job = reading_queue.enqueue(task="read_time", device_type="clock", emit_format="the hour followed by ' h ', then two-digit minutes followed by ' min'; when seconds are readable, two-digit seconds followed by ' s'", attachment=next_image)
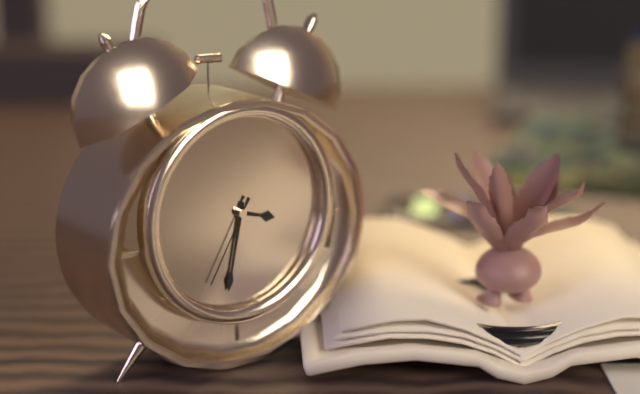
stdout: 3 h 32 min 35 s
